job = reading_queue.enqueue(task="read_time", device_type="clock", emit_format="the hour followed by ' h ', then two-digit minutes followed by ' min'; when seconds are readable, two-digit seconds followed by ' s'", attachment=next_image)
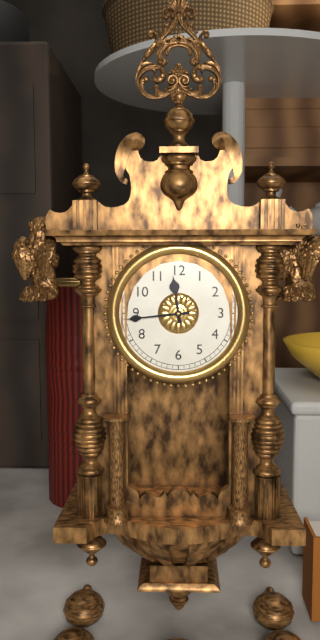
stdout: 11 h 44 min
